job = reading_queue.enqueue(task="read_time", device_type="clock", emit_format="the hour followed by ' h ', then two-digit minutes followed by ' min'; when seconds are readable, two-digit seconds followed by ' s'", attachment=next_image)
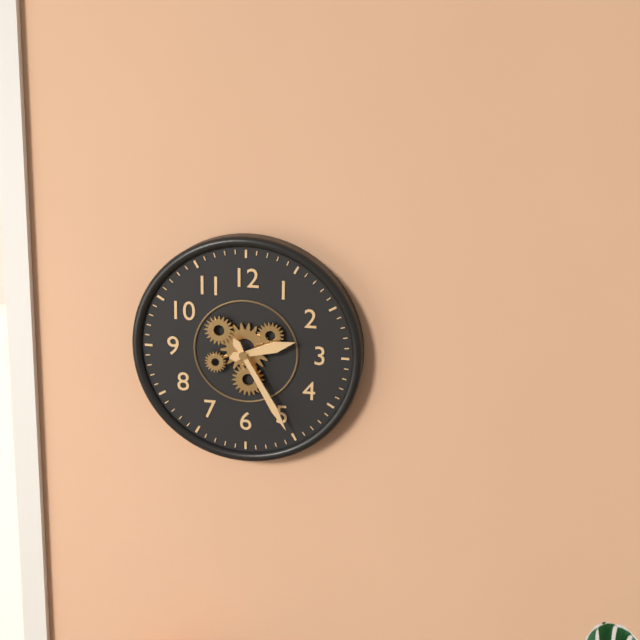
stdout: 2 h 25 min
